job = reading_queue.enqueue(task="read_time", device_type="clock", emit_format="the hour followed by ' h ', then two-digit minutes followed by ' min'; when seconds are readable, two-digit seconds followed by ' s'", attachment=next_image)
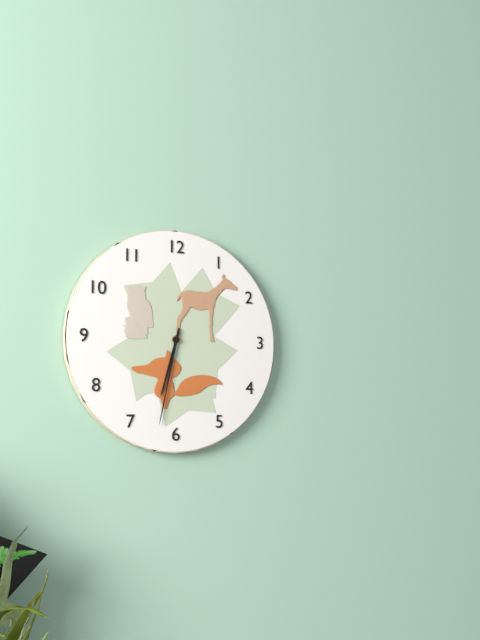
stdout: 6 h 32 min
